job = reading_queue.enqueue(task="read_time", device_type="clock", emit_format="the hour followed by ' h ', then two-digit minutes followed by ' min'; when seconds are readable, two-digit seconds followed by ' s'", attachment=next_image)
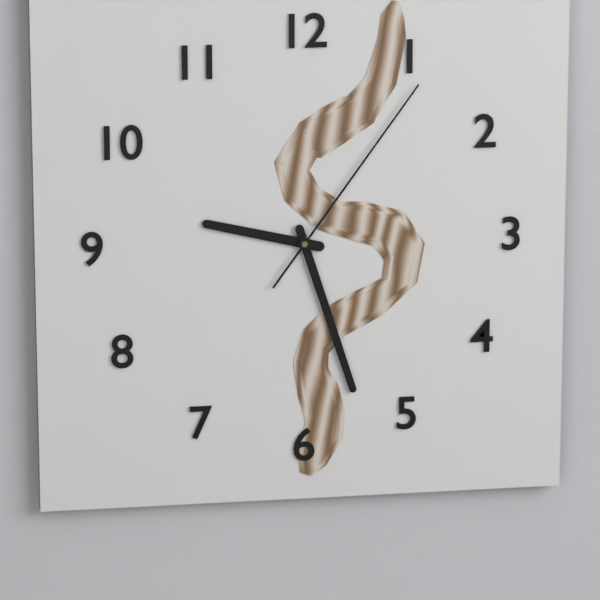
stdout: 9 h 27 min 06 s
